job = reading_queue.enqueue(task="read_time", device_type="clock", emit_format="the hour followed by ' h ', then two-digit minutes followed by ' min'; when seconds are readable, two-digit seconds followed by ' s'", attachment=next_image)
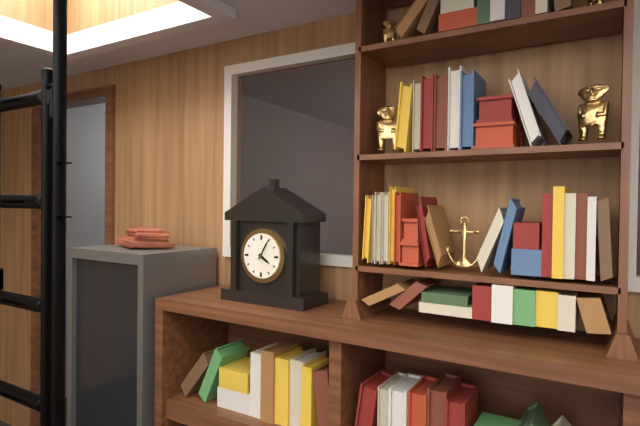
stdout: 4 h 05 min
